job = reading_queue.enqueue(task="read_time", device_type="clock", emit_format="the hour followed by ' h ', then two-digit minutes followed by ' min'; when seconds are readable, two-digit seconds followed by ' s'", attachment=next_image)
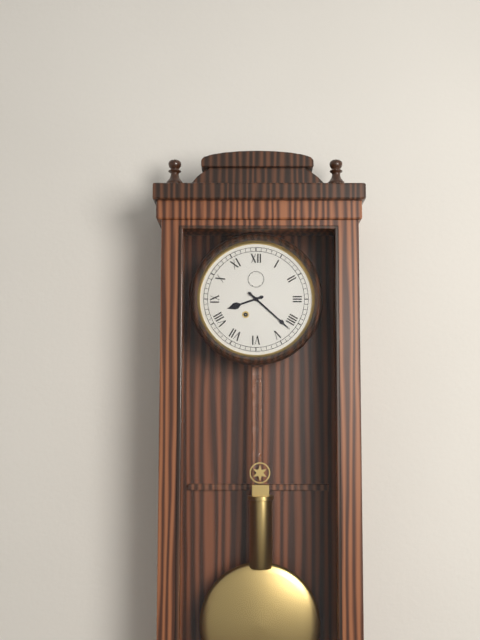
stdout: 8 h 22 min
